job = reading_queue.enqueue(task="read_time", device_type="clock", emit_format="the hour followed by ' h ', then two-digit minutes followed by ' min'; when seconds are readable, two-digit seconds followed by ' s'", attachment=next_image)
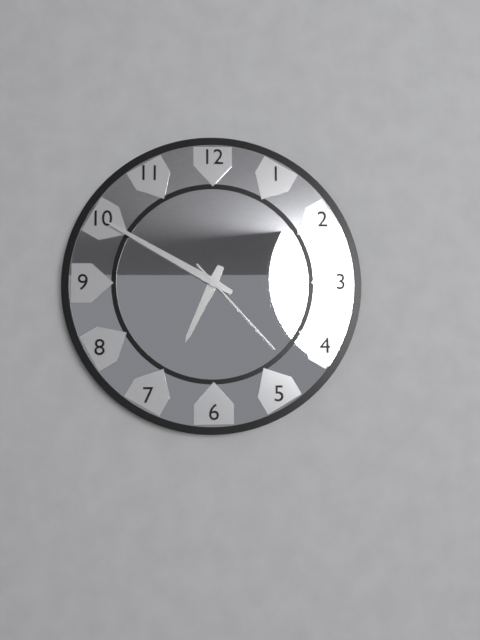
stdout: 6 h 50 min 23 s
